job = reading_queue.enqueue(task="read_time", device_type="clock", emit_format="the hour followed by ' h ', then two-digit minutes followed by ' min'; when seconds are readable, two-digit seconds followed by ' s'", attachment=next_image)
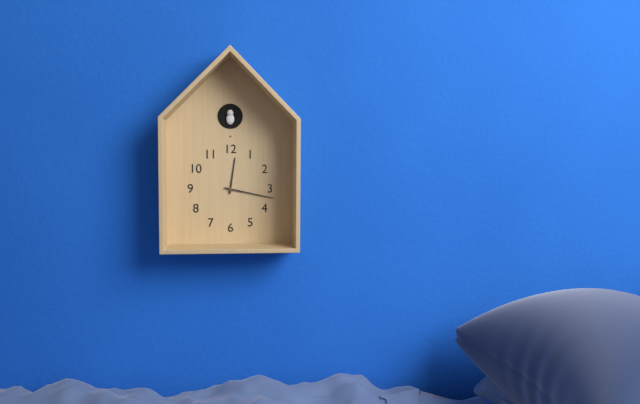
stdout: 12 h 17 min
